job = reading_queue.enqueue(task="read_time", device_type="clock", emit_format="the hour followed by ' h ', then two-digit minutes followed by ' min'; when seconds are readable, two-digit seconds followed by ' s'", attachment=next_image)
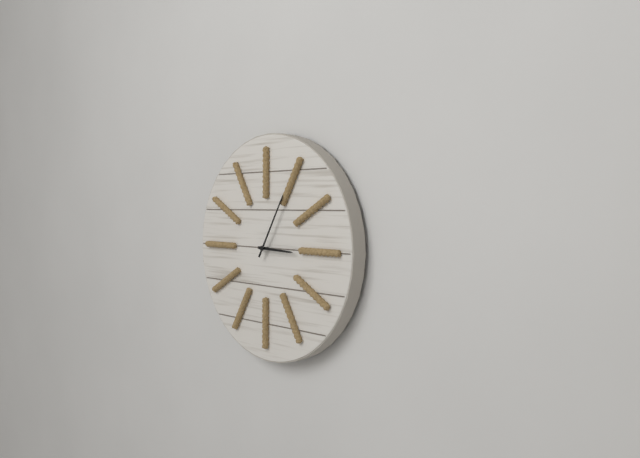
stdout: 3 h 05 min
